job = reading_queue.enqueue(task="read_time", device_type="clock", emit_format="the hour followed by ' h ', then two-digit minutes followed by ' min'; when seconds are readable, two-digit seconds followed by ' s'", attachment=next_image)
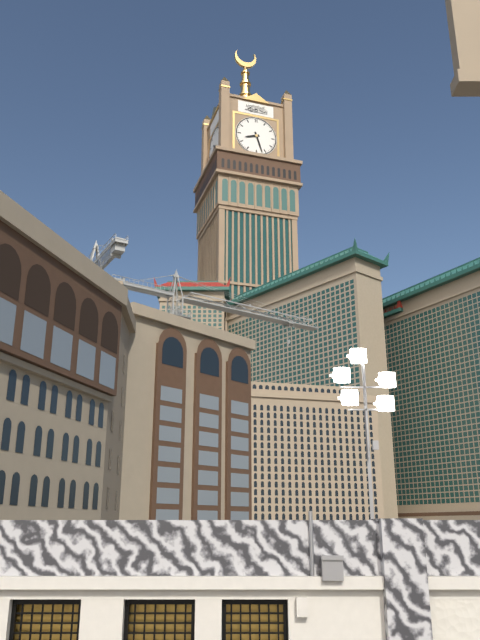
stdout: 8 h 27 min
